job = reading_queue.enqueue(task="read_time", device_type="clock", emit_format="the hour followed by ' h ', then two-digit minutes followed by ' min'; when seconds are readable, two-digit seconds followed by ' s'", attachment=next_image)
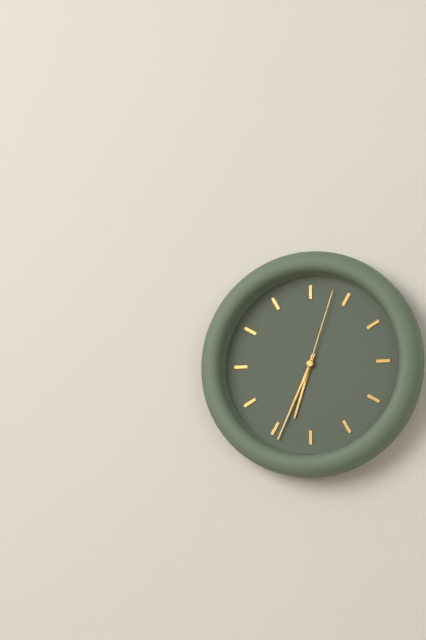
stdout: 6 h 34 min 03 s
